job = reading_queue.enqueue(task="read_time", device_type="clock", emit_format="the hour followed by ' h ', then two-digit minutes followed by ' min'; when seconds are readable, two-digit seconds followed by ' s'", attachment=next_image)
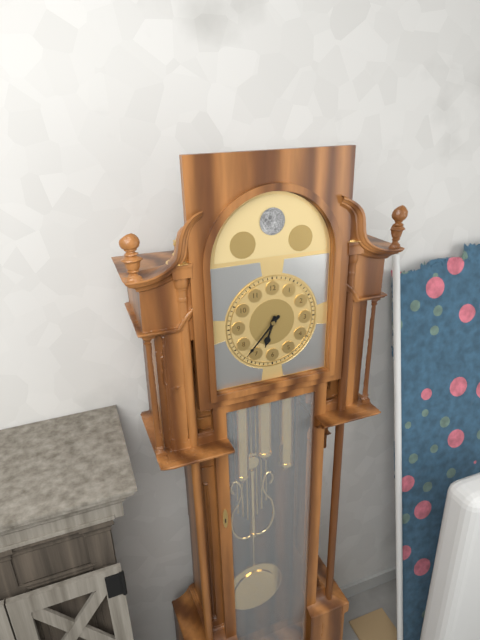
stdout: 6 h 37 min
